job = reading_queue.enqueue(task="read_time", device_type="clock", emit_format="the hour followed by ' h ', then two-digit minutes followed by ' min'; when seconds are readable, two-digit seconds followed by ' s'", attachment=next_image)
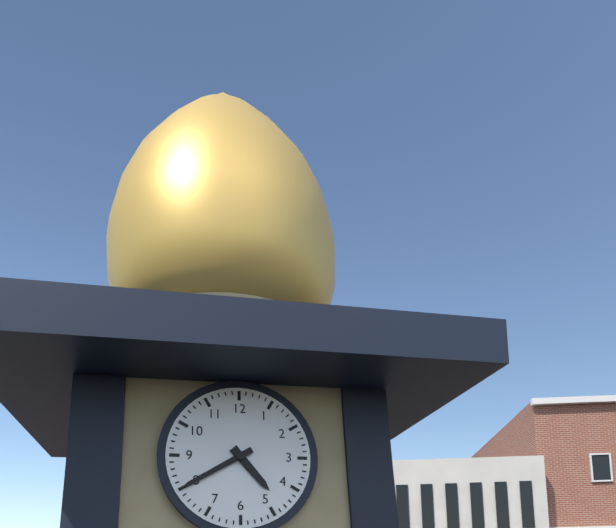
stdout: 4 h 40 min
